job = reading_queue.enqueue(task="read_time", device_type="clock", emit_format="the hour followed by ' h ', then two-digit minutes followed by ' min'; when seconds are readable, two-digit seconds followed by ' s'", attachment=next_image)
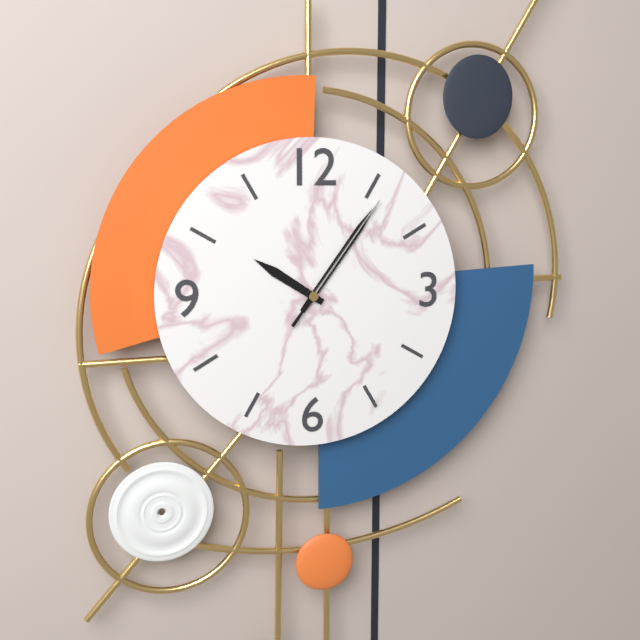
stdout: 10 h 06 min 06 s
